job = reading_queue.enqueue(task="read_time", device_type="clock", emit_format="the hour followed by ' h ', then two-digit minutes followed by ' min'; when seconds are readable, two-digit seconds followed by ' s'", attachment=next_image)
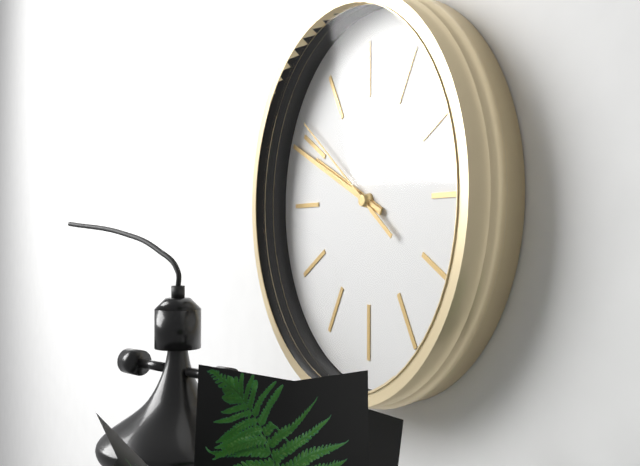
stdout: 9 h 49 min 51 s
